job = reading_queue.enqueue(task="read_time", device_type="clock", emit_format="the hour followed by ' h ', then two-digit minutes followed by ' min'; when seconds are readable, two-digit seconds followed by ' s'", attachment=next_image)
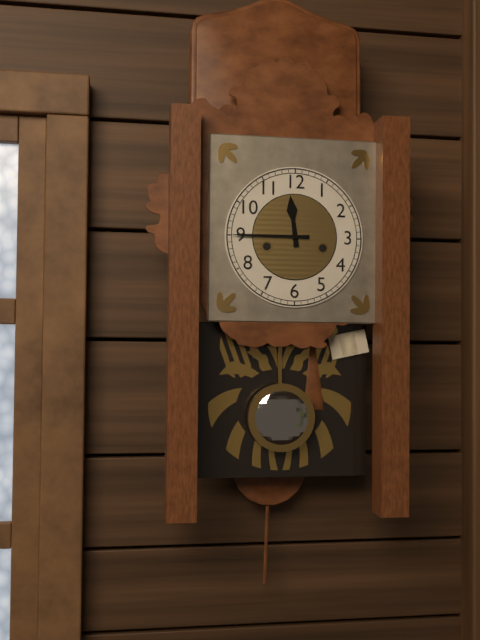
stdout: 11 h 45 min
